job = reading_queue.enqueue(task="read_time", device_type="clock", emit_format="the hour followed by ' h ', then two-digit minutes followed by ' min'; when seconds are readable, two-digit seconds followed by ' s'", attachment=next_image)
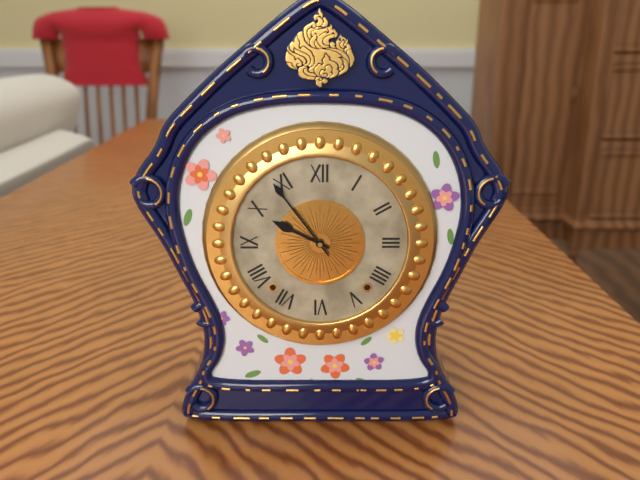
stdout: 9 h 54 min
